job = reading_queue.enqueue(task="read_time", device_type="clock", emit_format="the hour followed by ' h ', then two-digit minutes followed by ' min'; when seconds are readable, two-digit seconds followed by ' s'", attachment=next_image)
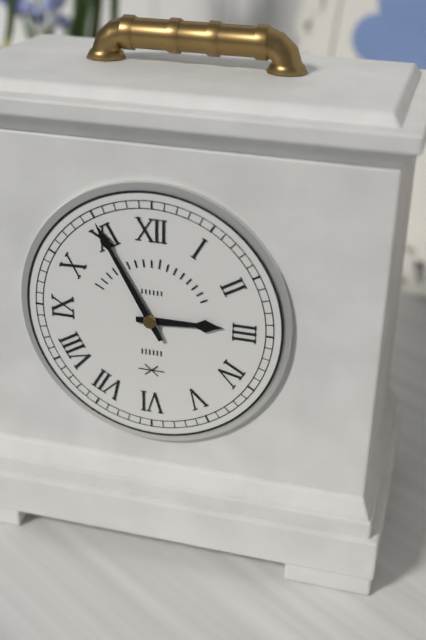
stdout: 2 h 55 min
